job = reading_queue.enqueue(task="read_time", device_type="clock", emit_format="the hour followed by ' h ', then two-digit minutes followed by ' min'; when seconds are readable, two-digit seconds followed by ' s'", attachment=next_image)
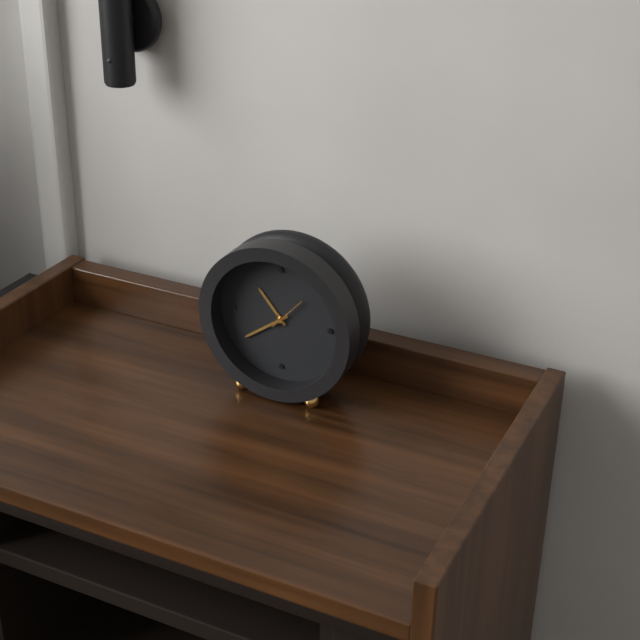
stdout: 10 h 39 min
